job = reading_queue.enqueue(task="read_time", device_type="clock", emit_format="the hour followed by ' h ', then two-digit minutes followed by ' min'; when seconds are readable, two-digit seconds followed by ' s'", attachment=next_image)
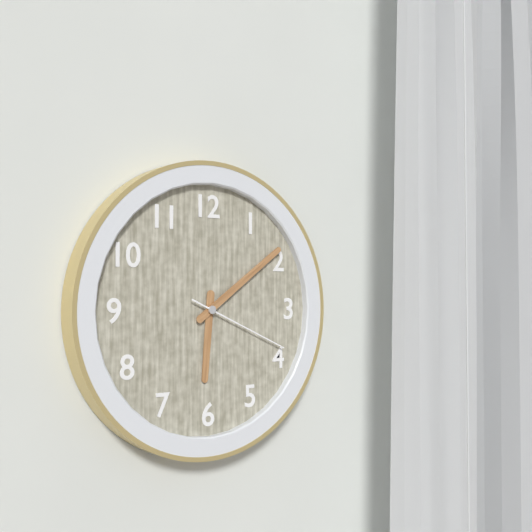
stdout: 6 h 09 min 19 s
